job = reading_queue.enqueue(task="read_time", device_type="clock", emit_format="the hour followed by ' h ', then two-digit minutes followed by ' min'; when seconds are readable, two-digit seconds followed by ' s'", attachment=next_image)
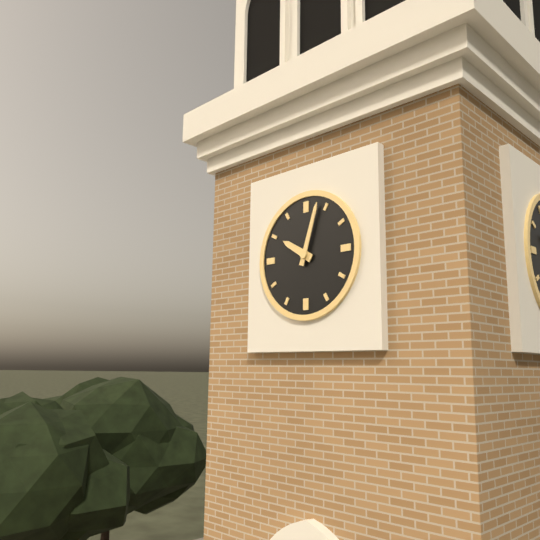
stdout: 10 h 03 min
